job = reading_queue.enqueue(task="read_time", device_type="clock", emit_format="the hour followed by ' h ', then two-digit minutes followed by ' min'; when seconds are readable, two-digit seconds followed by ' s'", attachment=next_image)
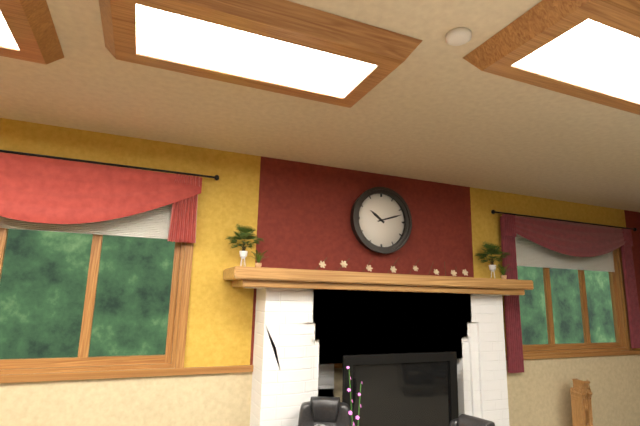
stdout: 10 h 12 min
